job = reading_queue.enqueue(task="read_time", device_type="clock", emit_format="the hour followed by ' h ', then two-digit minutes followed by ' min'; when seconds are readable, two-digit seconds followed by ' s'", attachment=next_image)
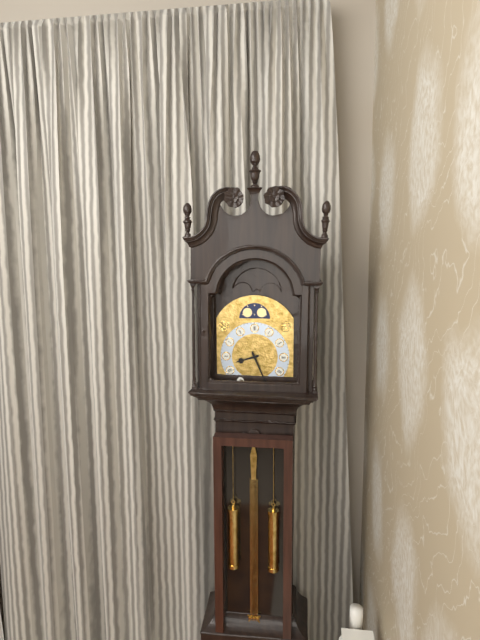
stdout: 8 h 26 min
